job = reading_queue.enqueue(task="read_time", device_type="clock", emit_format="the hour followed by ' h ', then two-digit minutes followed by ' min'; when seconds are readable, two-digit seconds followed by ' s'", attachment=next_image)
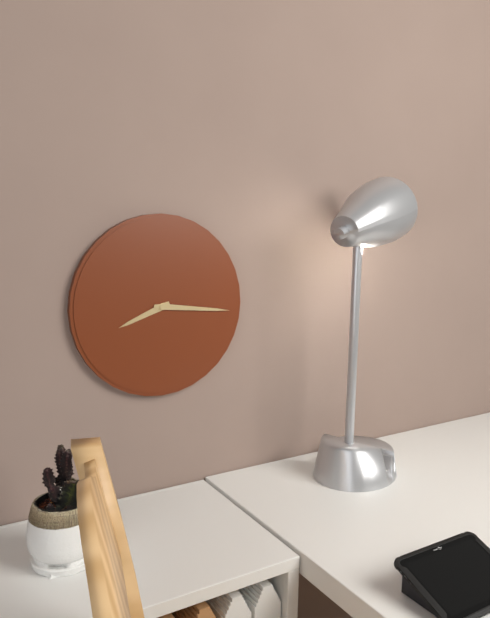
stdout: 8 h 16 min
